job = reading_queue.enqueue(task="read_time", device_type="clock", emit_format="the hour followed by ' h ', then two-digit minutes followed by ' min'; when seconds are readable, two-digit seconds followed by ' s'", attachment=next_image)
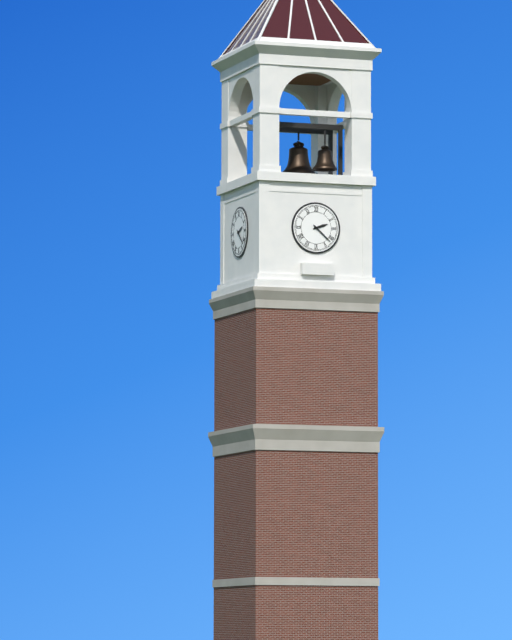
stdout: 2 h 22 min
